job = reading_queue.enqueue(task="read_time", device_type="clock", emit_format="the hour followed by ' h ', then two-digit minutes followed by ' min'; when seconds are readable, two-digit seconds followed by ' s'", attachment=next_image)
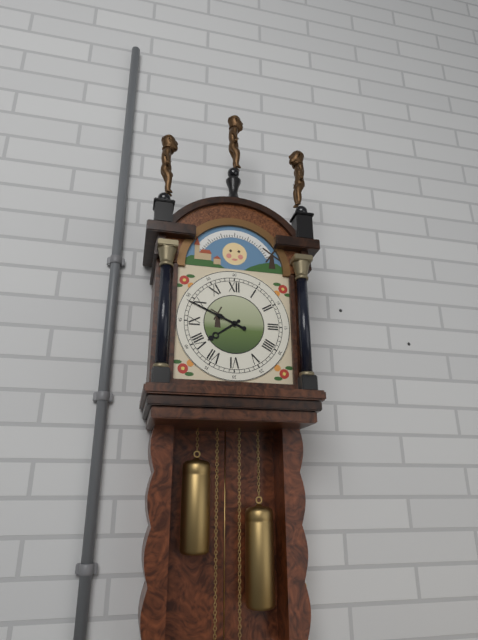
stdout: 7 h 49 min
